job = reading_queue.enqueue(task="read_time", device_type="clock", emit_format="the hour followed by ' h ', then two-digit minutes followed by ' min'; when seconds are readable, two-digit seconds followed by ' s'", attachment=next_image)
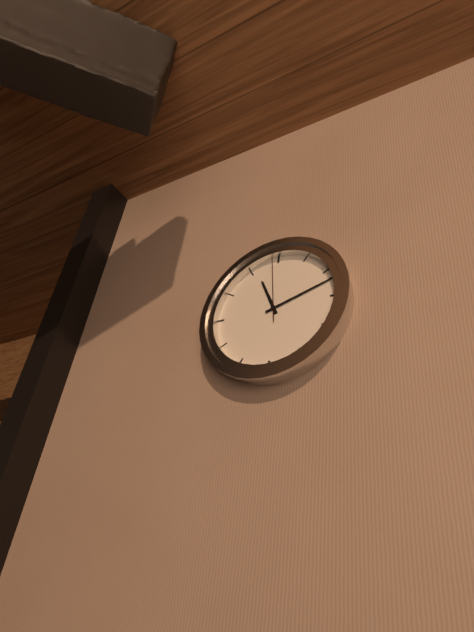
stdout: 11 h 12 min 59 s
